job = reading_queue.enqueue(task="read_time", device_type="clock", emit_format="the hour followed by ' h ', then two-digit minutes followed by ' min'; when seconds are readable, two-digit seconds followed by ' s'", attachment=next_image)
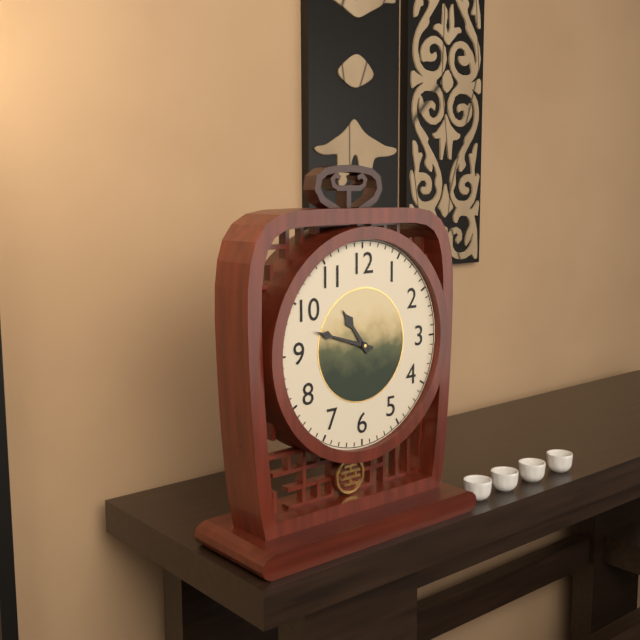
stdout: 10 h 48 min
